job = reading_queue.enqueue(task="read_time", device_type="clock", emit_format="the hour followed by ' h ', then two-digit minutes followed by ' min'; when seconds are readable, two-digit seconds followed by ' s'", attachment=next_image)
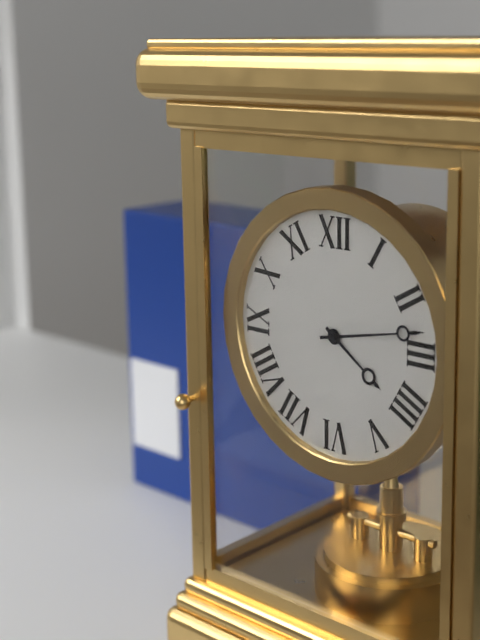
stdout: 4 h 13 min
